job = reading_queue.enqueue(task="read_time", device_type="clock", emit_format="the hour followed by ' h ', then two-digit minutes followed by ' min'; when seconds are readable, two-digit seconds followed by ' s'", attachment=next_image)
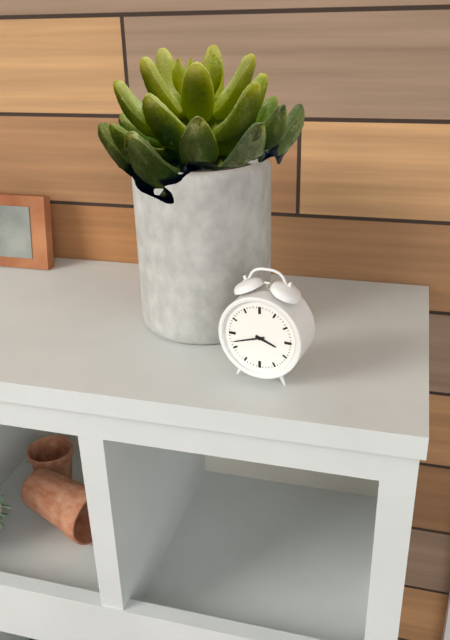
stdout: 3 h 42 min
